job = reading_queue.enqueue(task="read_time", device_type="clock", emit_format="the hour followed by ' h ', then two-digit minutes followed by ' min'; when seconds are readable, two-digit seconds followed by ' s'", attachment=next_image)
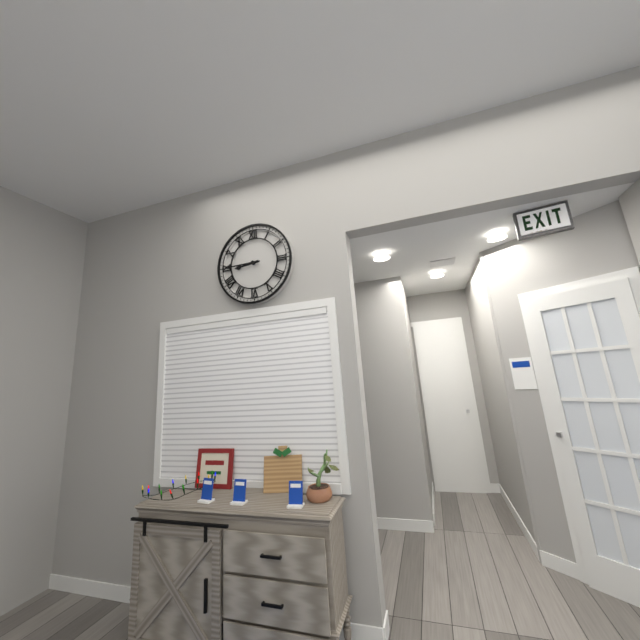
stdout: 8 h 45 min
